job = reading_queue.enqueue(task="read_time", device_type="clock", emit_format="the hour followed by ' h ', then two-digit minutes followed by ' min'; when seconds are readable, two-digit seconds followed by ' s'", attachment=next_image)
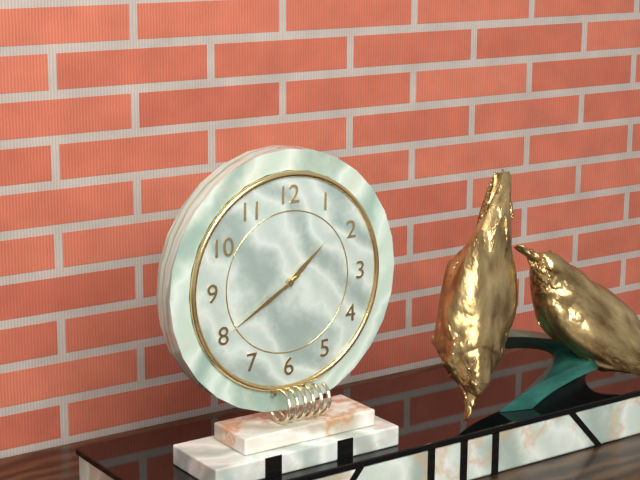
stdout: 1 h 40 min
